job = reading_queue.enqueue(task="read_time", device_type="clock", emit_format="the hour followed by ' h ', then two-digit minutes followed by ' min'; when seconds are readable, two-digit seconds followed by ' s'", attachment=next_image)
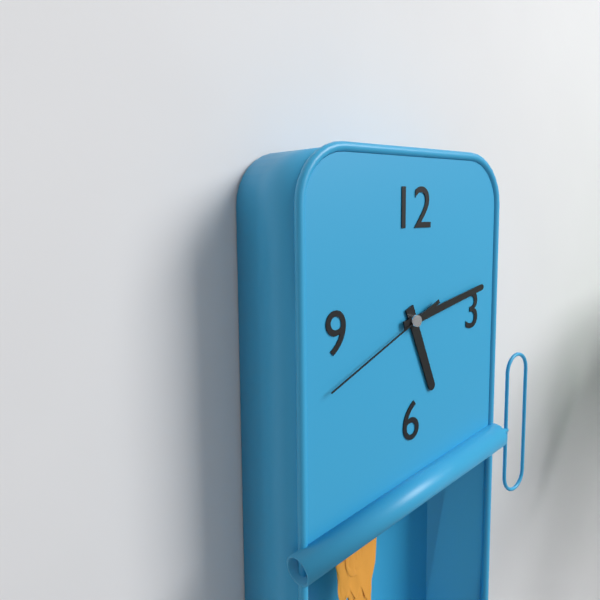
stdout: 5 h 13 min 41 s
